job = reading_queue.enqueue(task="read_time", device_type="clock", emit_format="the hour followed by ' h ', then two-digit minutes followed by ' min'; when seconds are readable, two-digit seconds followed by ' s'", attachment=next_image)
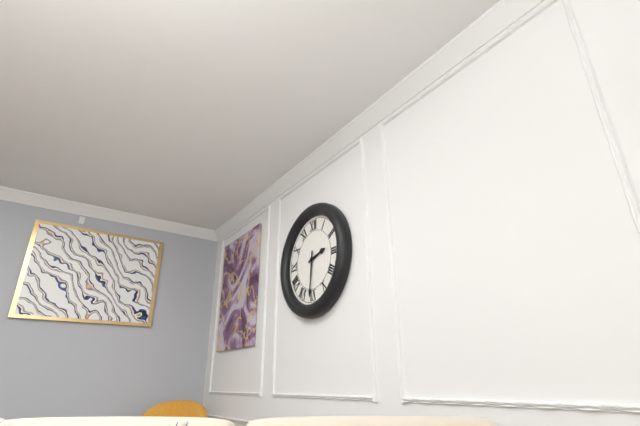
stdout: 2 h 31 min
